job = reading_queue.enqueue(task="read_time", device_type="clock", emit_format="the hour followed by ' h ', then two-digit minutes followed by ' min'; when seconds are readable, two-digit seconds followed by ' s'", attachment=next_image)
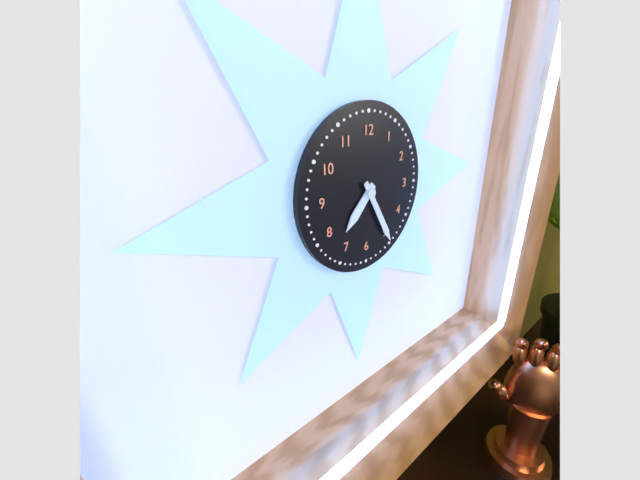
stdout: 7 h 25 min
